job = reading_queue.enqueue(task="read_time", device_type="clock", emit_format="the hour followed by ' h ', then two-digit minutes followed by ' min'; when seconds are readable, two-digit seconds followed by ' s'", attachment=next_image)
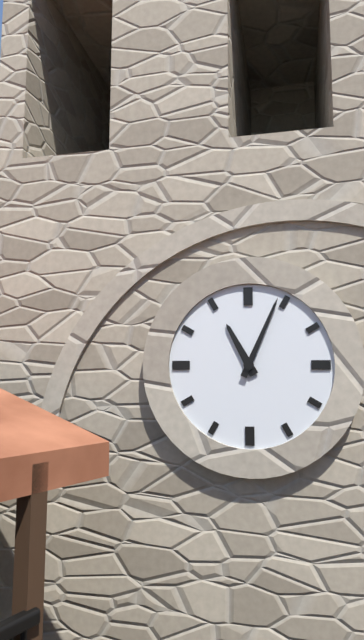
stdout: 11 h 04 min
